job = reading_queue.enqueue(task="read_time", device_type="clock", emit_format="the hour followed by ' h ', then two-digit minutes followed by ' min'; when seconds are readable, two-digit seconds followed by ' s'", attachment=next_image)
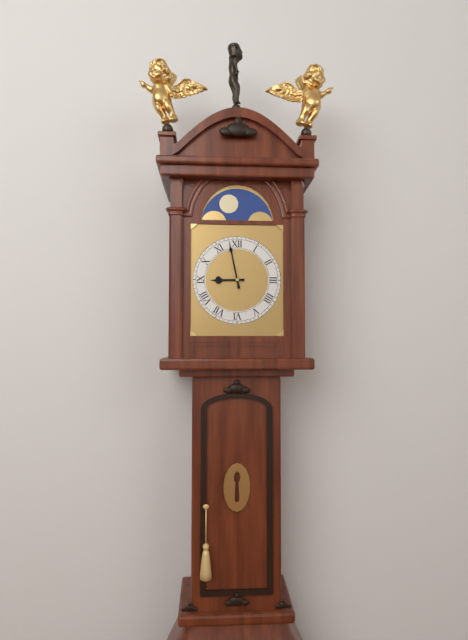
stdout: 8 h 58 min
